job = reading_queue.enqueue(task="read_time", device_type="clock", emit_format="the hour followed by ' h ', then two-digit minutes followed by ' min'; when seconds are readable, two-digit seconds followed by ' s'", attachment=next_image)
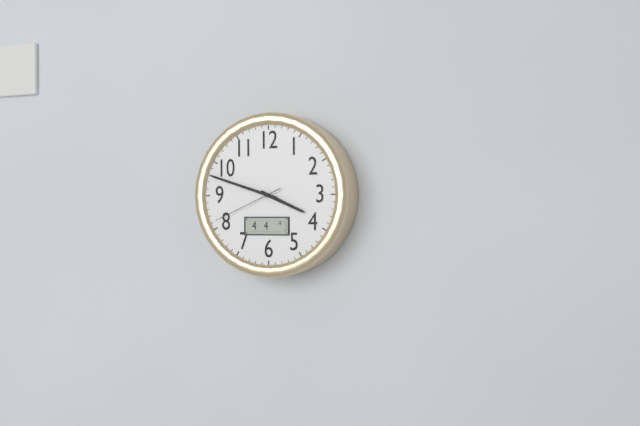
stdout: 3 h 48 min 41 s
